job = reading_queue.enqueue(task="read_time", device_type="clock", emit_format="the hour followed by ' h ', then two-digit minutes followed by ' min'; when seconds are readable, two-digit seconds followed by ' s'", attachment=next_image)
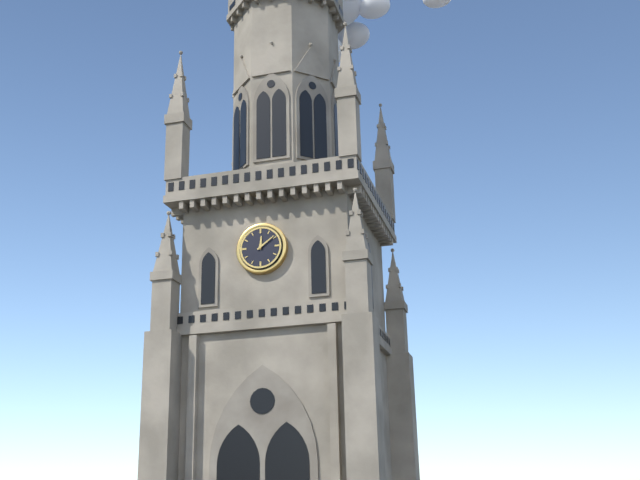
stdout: 12 h 09 min
